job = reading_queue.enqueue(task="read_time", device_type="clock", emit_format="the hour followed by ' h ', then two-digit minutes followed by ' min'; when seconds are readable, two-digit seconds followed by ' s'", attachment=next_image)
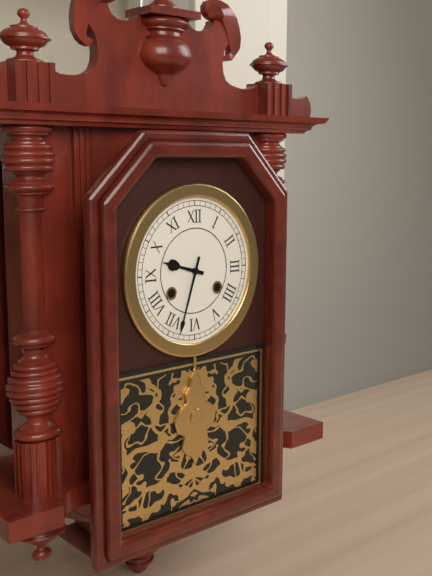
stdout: 9 h 33 min
